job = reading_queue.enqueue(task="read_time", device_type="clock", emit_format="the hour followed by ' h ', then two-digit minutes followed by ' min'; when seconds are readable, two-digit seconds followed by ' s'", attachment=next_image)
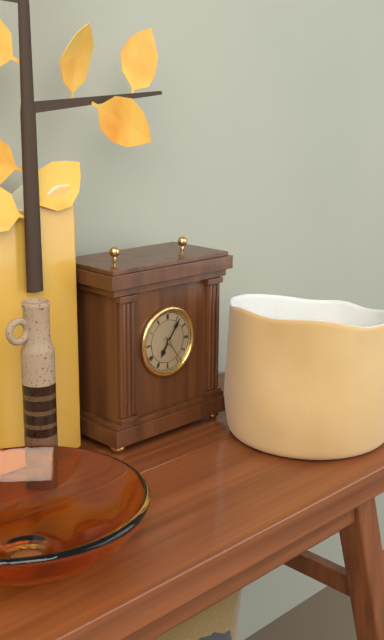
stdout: 7 h 06 min
